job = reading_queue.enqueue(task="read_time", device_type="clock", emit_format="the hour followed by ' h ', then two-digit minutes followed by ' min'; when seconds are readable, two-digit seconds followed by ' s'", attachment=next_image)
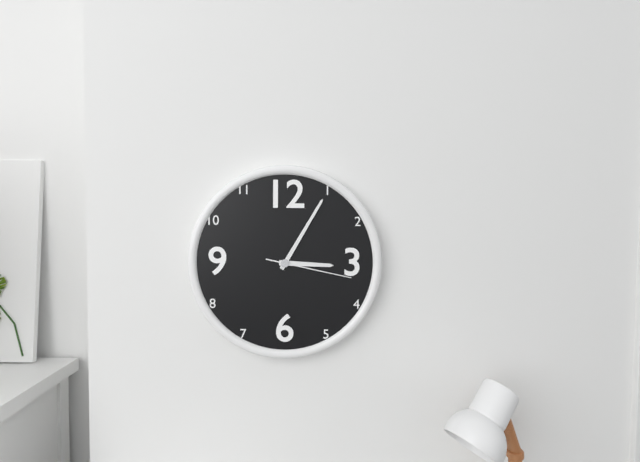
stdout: 3 h 05 min 17 s
